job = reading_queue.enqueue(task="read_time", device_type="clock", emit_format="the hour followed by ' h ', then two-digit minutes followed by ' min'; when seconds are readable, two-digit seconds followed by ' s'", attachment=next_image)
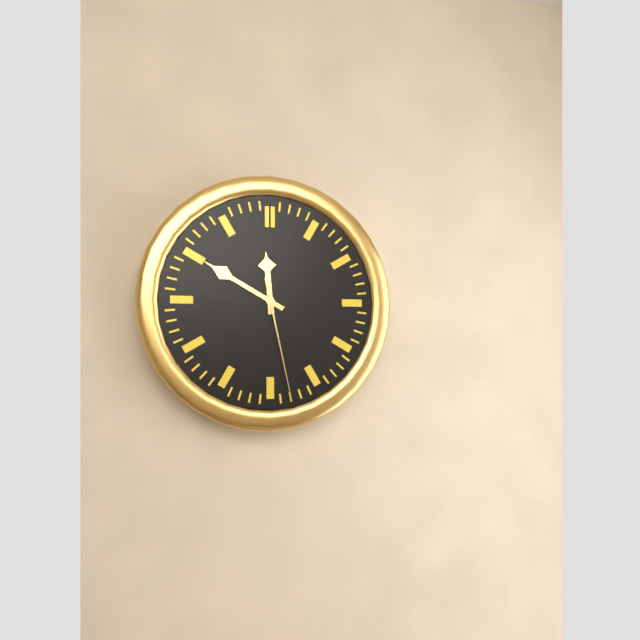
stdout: 11 h 50 min 28 s
